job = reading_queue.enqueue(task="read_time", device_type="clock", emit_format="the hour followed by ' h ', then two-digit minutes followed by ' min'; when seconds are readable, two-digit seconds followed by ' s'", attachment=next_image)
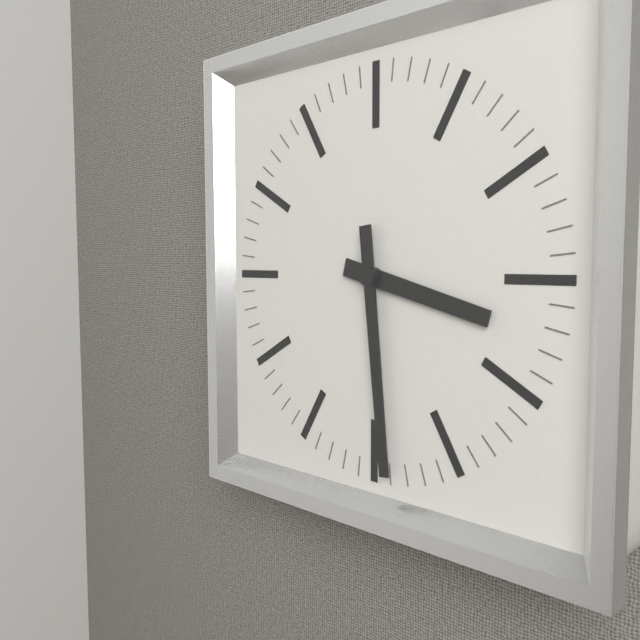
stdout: 3 h 29 min
